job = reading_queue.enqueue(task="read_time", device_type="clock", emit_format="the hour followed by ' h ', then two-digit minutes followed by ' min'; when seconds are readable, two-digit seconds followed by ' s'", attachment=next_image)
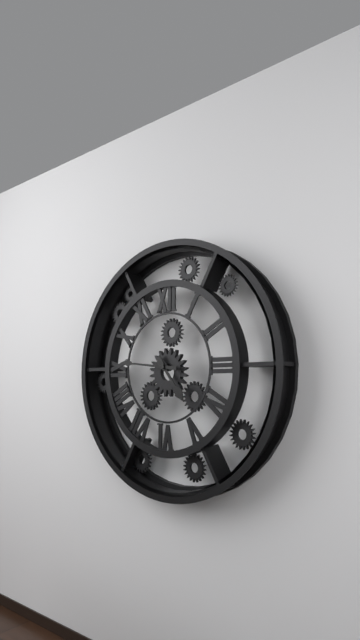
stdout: 4 h 46 min
